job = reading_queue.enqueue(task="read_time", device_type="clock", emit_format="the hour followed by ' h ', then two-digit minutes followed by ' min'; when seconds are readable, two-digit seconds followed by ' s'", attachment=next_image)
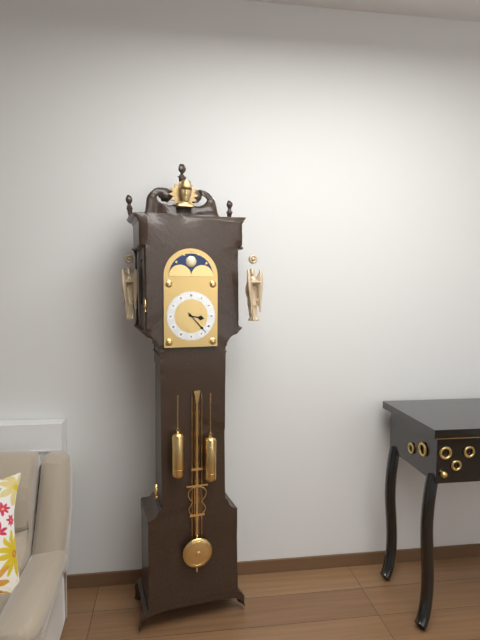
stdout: 3 h 23 min
